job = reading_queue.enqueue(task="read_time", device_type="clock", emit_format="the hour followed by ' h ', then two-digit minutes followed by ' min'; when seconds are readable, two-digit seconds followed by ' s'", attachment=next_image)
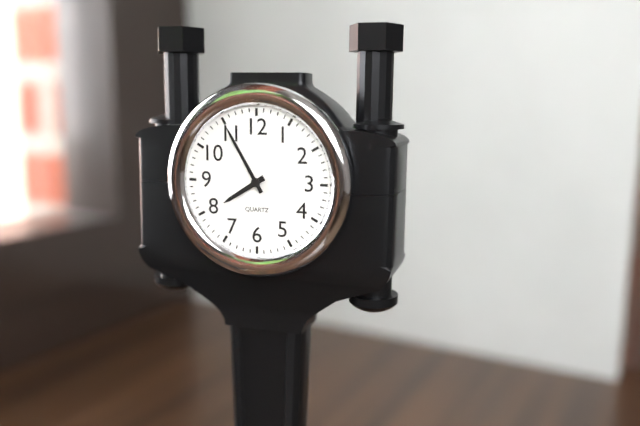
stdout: 7 h 55 min
